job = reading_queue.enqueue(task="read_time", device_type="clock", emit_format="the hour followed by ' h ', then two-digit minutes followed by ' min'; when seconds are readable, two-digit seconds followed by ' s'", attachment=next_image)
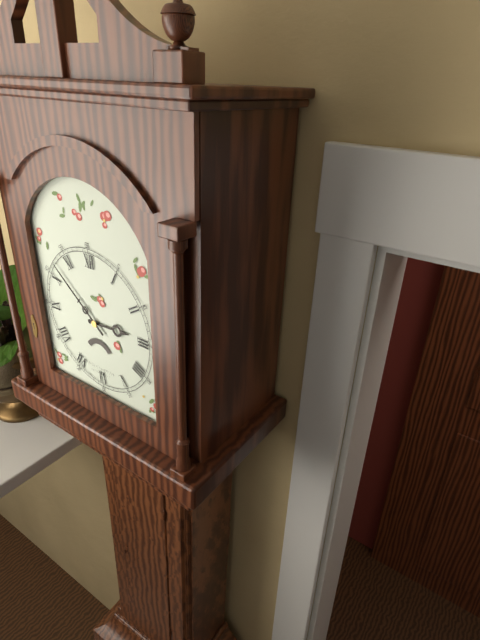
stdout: 2 h 52 min
